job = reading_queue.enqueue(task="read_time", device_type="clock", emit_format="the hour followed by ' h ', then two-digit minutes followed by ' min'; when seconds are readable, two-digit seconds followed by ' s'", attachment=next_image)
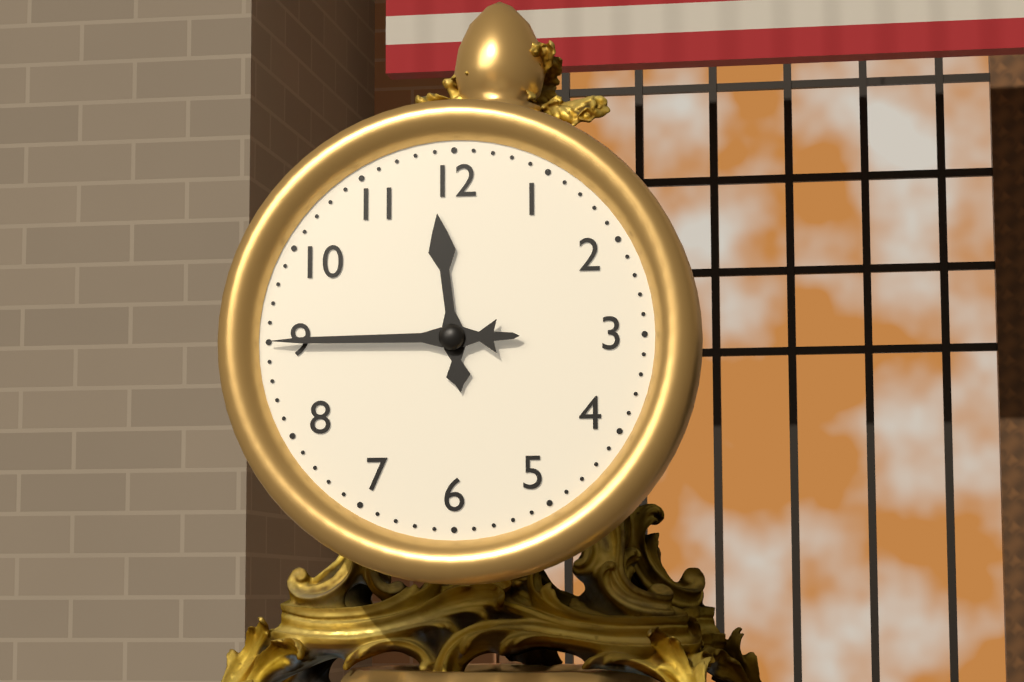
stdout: 11 h 45 min
